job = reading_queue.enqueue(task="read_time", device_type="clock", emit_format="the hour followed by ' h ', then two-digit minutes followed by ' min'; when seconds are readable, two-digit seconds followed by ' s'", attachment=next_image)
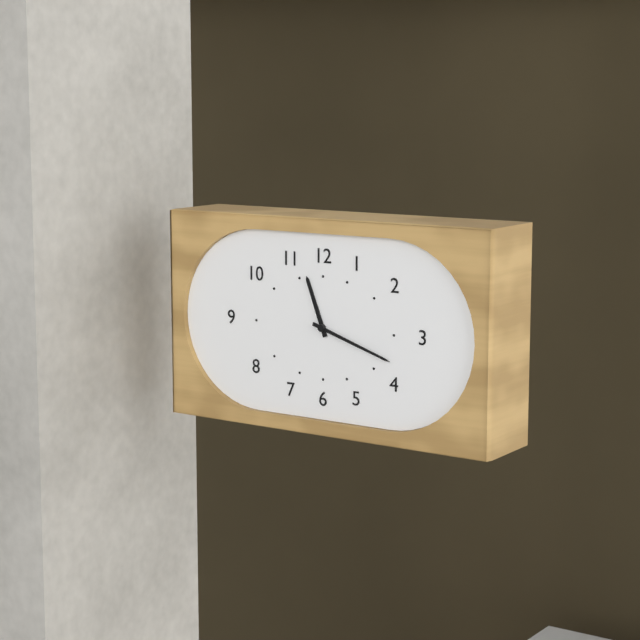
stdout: 11 h 18 min
